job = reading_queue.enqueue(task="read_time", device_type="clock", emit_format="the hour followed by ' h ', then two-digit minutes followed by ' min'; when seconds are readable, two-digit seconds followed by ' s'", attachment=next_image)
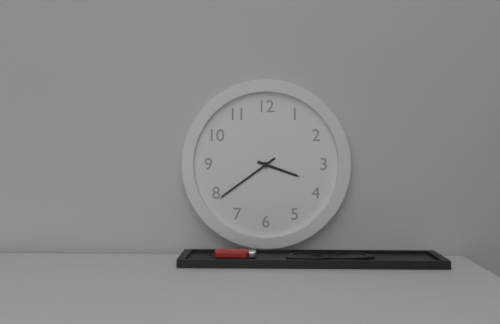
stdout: 3 h 39 min
